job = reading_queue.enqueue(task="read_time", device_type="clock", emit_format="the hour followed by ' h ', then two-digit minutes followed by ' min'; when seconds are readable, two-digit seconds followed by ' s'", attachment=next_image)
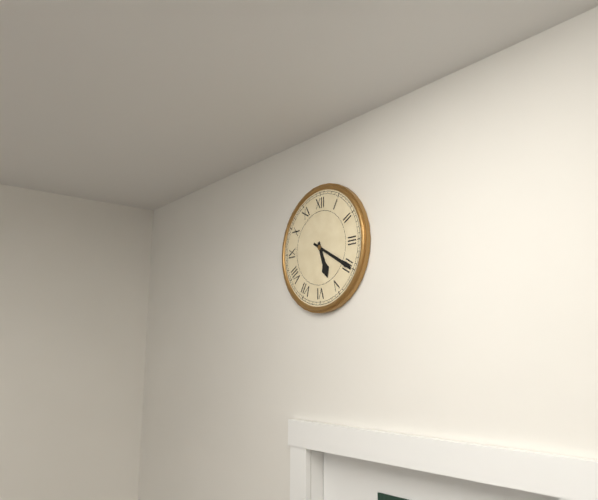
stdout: 5 h 20 min
